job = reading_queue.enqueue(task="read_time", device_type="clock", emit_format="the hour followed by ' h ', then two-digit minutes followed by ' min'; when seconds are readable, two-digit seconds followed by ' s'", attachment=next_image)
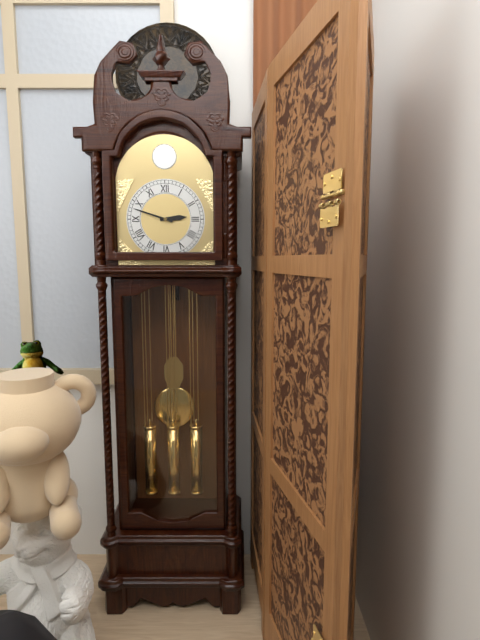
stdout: 2 h 48 min
